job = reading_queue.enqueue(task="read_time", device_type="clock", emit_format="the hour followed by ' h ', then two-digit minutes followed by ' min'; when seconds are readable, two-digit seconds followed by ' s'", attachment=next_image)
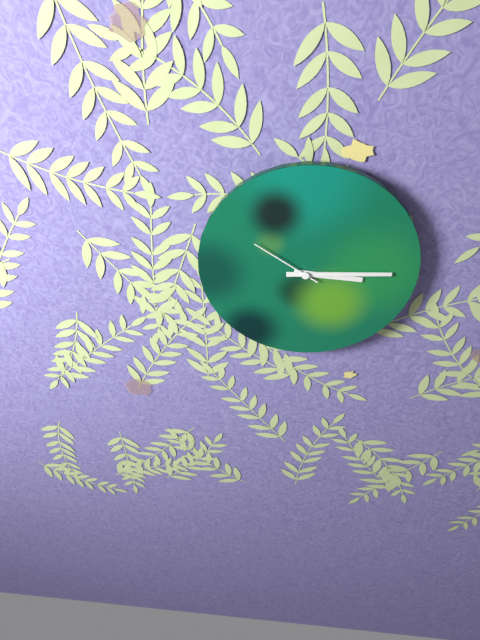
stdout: 3 h 15 min 51 s
